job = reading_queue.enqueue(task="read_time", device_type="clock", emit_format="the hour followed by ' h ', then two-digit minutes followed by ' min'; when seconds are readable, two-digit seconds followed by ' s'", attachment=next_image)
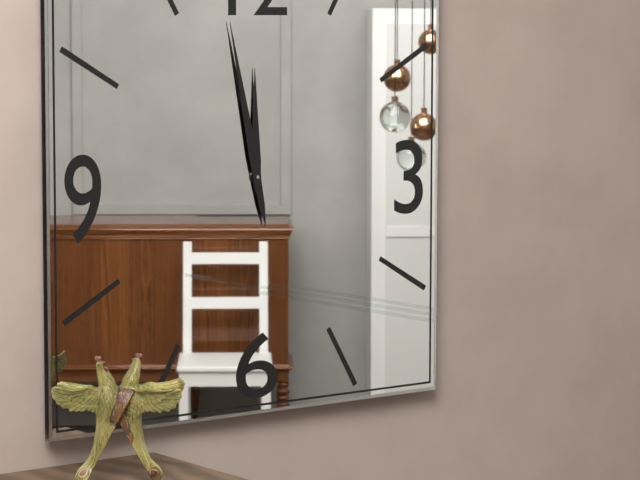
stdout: 11 h 58 min
